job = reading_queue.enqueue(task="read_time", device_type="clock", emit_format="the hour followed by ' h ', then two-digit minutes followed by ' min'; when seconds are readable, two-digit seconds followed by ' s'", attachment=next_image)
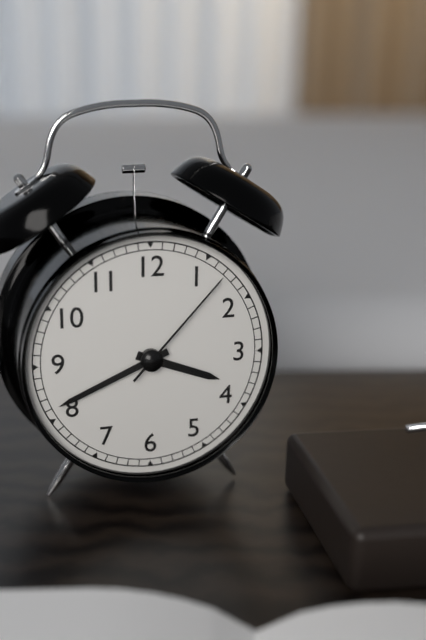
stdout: 3 h 41 min 07 s
